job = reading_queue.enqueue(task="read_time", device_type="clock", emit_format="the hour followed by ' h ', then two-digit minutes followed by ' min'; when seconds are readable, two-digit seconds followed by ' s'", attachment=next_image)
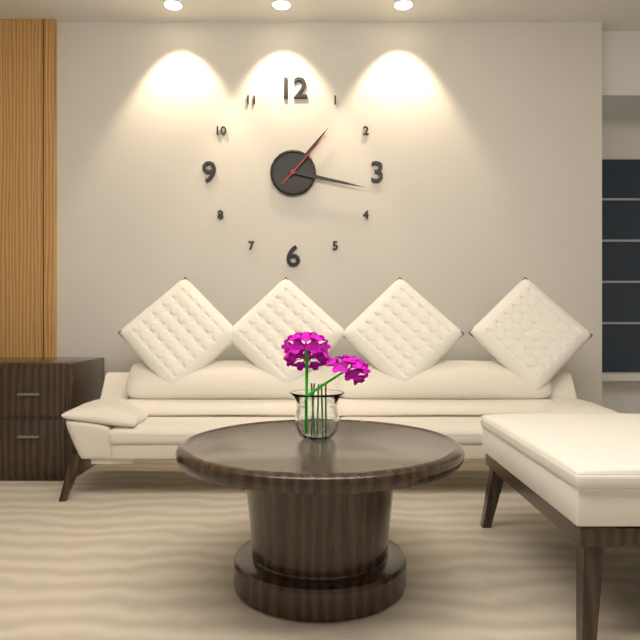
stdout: 1 h 17 min 07 s
